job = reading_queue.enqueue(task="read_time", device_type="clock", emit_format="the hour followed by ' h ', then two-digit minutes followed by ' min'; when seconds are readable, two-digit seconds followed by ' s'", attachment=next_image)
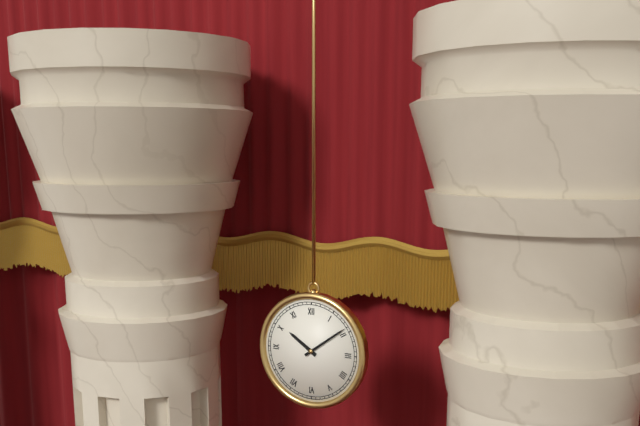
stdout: 10 h 09 min
